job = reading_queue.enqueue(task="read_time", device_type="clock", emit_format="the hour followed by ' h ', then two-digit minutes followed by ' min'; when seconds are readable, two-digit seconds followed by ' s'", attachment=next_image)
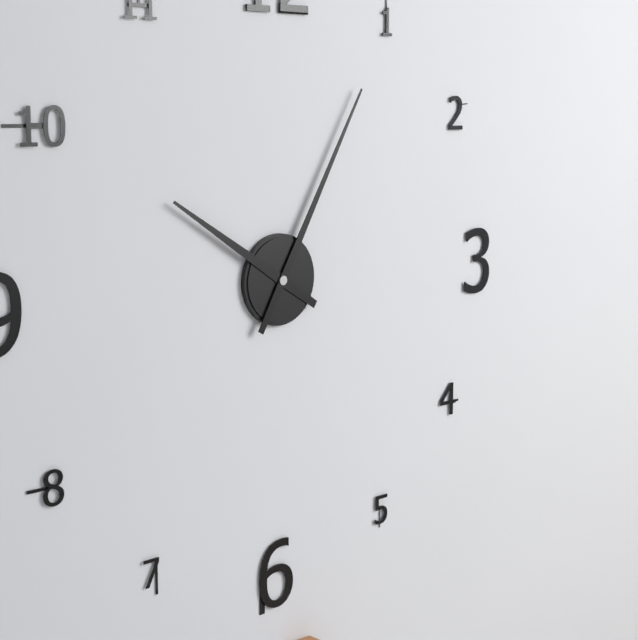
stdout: 10 h 05 min
